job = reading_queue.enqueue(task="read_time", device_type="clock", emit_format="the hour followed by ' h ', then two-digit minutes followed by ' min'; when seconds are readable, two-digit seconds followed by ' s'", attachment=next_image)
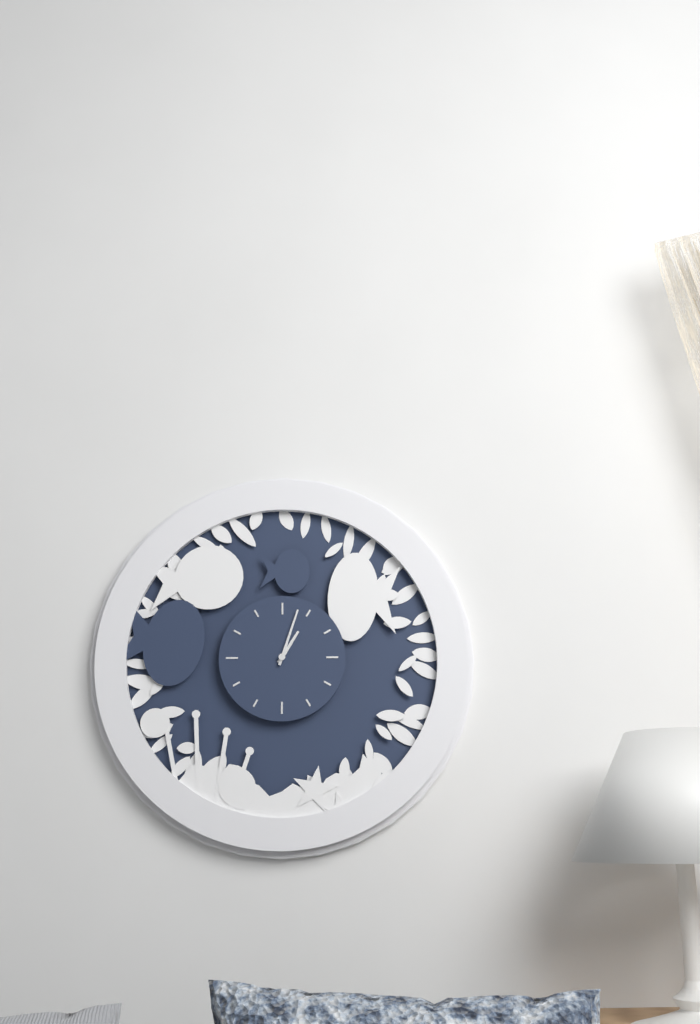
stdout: 1 h 03 min
